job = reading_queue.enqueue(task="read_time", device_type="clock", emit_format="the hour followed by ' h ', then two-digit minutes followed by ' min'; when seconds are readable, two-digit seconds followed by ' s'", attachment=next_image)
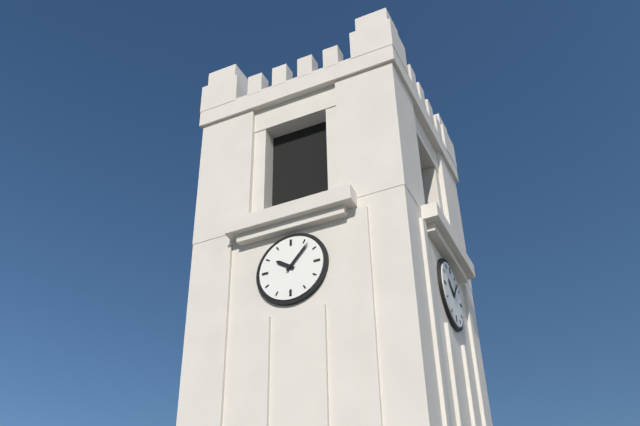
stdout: 10 h 07 min
